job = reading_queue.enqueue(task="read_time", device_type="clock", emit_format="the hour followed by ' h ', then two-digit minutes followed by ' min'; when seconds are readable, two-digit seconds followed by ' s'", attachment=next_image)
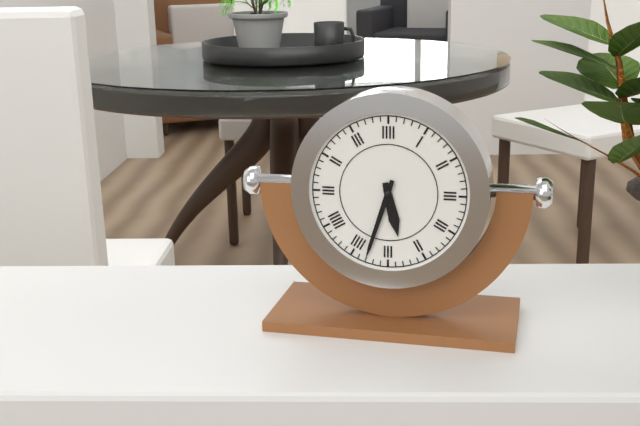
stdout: 5 h 33 min
